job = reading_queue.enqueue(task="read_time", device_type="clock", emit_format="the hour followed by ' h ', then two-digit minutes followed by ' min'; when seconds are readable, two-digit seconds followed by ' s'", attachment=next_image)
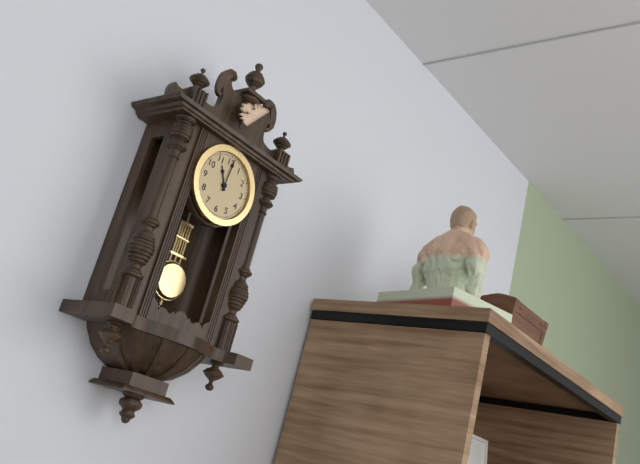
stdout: 11 h 01 min
